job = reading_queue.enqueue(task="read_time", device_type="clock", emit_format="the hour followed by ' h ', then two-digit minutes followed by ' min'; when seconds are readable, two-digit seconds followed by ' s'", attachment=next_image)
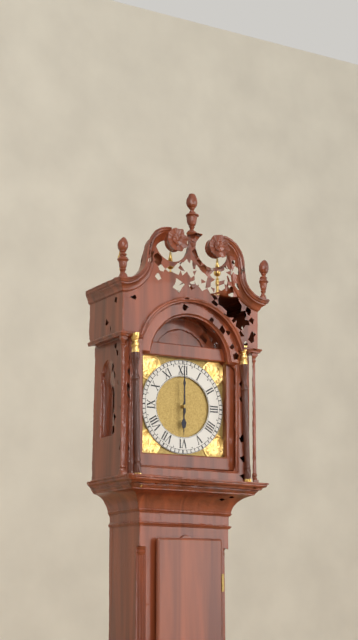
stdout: 6 h 00 min
